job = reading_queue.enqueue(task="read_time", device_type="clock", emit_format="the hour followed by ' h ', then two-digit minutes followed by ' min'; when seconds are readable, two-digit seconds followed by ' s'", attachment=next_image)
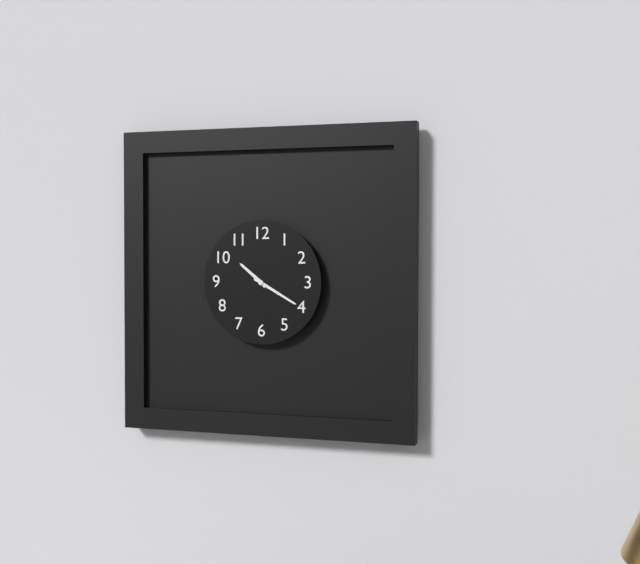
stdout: 10 h 20 min
